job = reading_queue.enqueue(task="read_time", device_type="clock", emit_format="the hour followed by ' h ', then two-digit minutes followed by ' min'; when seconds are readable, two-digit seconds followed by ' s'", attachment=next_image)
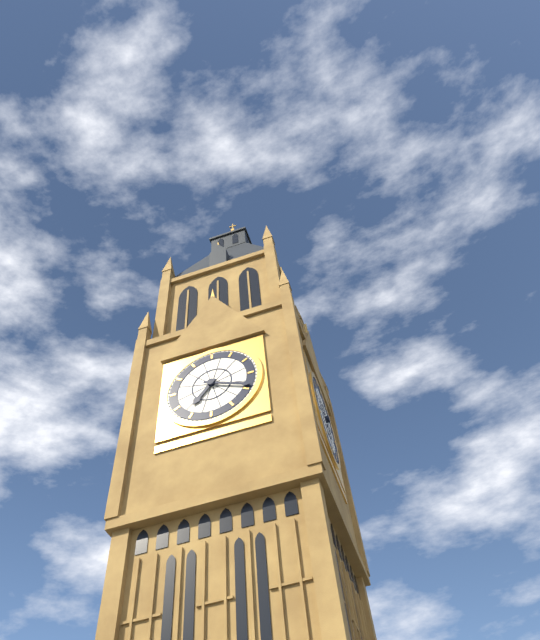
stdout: 7 h 19 min
